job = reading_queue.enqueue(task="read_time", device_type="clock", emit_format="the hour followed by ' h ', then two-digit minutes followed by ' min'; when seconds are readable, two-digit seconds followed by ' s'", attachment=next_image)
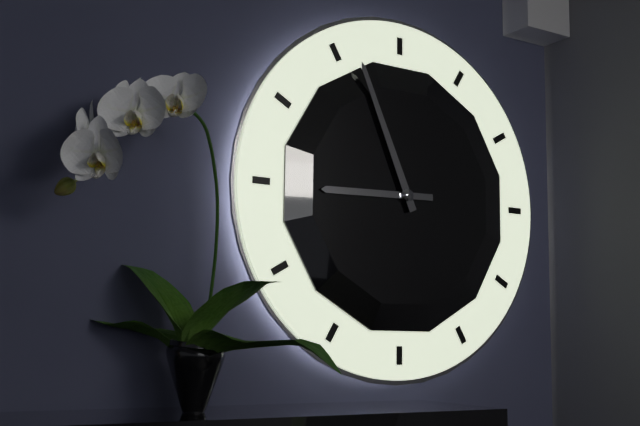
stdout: 8 h 56 min
